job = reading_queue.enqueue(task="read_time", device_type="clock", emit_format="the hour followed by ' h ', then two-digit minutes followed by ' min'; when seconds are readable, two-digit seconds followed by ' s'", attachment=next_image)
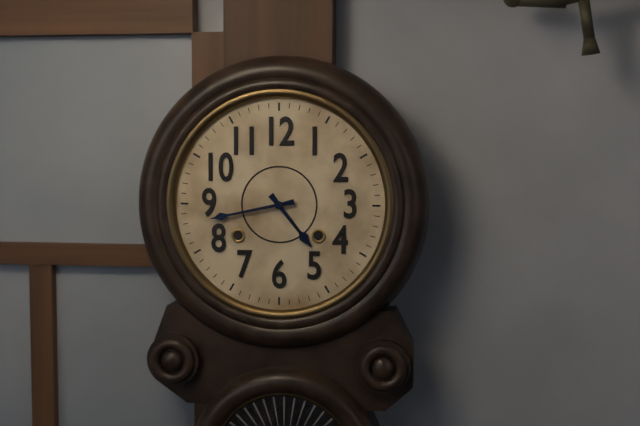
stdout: 4 h 43 min
